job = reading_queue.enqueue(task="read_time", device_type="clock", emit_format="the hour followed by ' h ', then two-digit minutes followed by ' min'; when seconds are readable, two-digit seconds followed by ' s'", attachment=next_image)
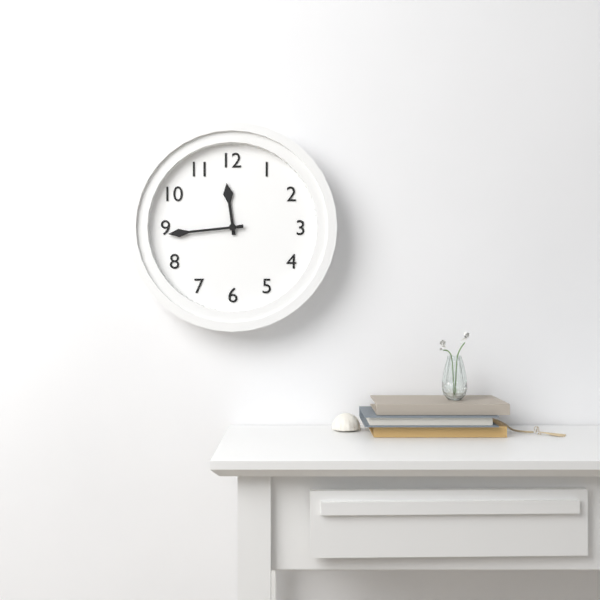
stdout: 11 h 44 min
